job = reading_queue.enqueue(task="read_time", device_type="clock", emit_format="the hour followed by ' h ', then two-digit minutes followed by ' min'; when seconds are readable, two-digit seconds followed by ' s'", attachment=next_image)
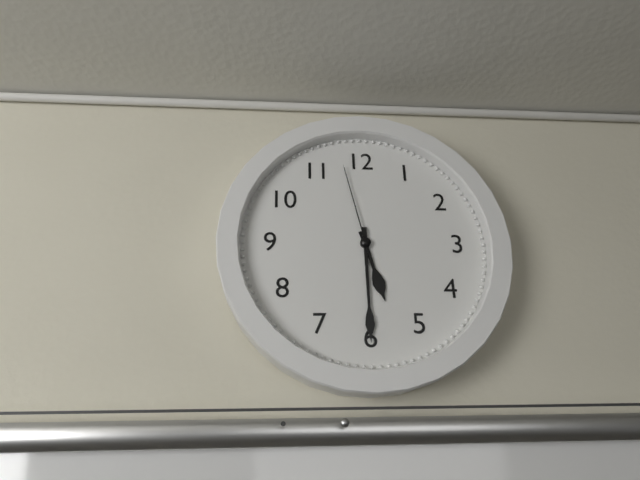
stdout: 5 h 30 min 58 s
